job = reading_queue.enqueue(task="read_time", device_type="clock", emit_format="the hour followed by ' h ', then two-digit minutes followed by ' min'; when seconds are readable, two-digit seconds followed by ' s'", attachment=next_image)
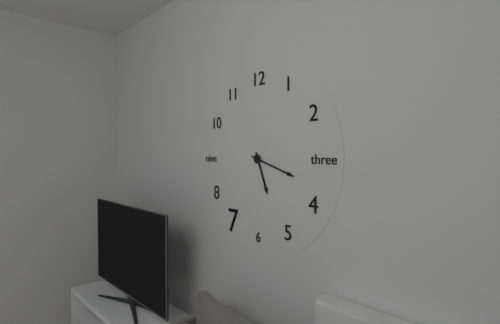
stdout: 5 h 18 min
